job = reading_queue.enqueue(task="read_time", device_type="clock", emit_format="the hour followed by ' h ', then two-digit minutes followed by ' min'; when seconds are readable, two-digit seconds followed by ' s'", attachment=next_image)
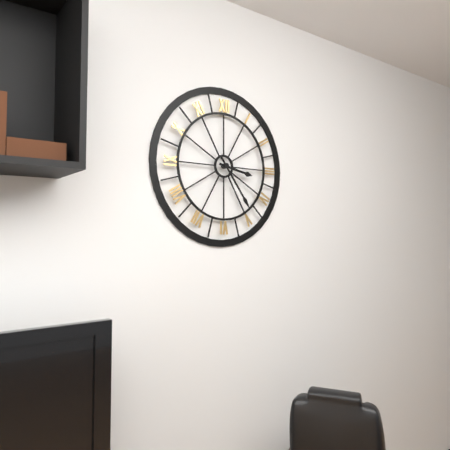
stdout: 3 h 24 min
